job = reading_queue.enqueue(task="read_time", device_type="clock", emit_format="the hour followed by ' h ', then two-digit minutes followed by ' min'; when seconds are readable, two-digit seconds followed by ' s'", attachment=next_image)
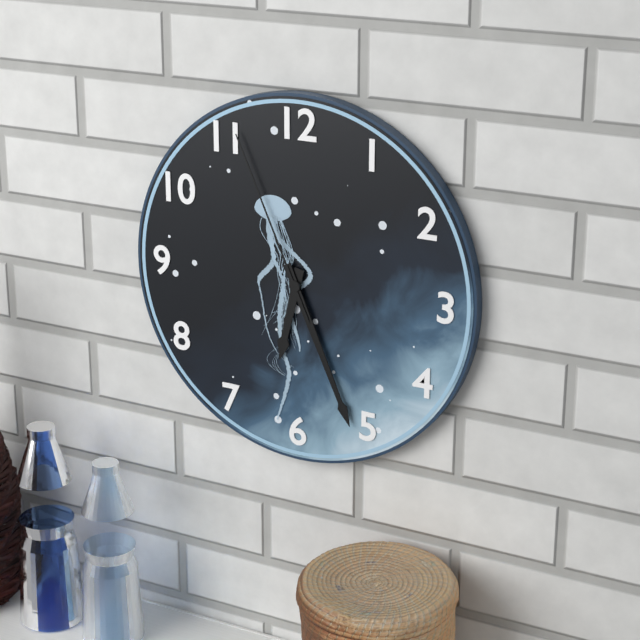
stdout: 6 h 26 min 56 s
